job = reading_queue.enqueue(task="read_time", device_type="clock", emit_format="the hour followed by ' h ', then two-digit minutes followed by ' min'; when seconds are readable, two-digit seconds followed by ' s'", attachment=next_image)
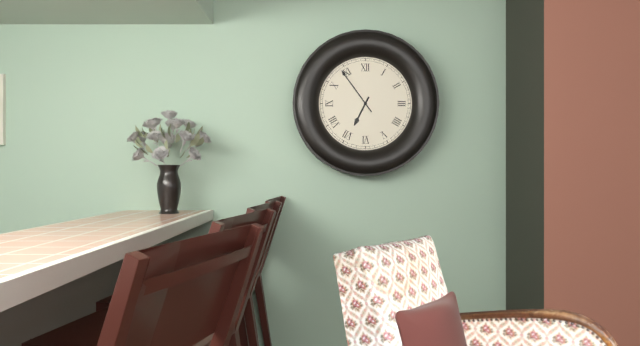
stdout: 6 h 54 min
